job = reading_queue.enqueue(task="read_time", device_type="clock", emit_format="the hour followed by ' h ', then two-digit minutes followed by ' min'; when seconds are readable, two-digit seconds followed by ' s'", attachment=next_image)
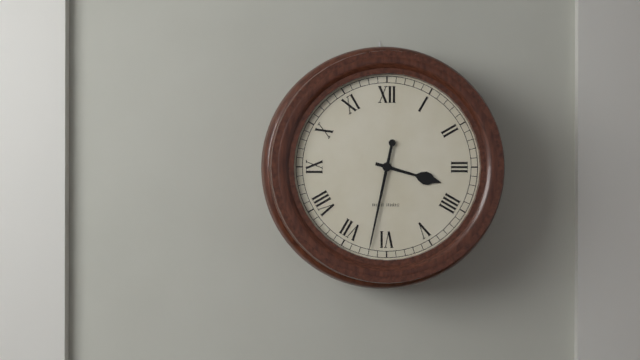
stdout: 3 h 32 min
